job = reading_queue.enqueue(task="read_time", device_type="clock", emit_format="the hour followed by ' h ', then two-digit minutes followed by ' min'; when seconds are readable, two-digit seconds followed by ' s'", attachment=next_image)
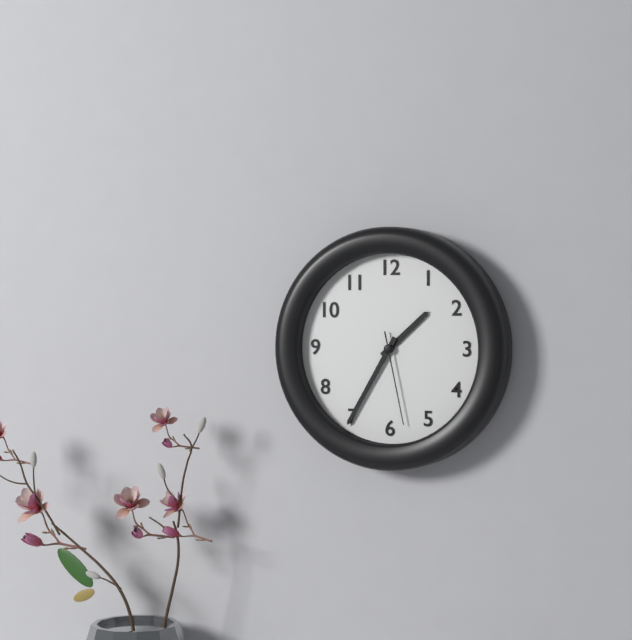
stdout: 1 h 35 min 28 s
